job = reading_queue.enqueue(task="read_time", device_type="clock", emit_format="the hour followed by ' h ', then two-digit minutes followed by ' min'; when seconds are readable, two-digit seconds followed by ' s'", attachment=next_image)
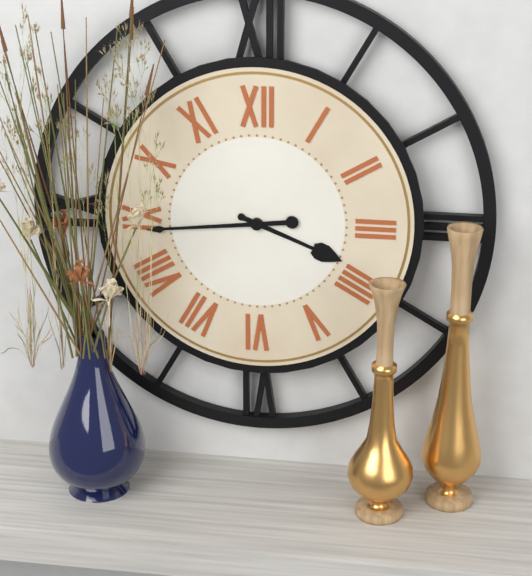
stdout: 3 h 44 min
